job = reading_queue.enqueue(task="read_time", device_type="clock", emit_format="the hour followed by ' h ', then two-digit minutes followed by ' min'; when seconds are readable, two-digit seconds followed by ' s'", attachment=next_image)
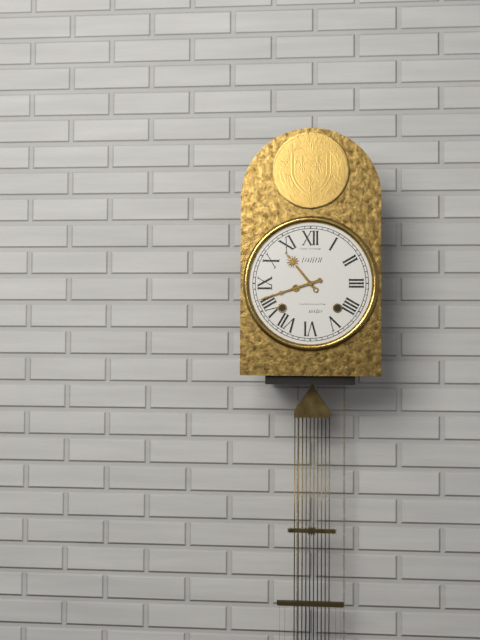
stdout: 10 h 42 min
